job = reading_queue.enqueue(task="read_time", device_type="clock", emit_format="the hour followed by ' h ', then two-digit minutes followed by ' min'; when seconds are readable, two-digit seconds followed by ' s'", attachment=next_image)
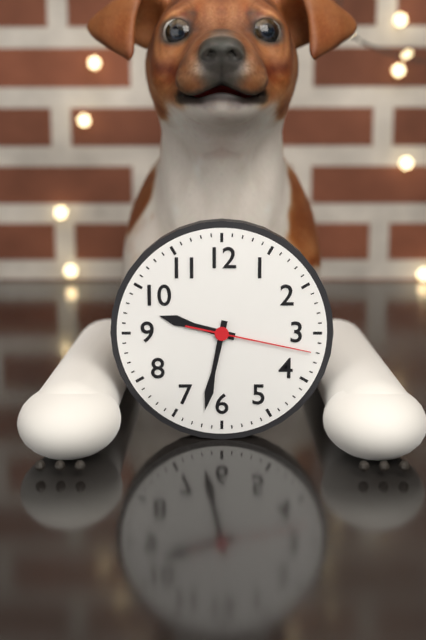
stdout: 9 h 32 min 17 s
